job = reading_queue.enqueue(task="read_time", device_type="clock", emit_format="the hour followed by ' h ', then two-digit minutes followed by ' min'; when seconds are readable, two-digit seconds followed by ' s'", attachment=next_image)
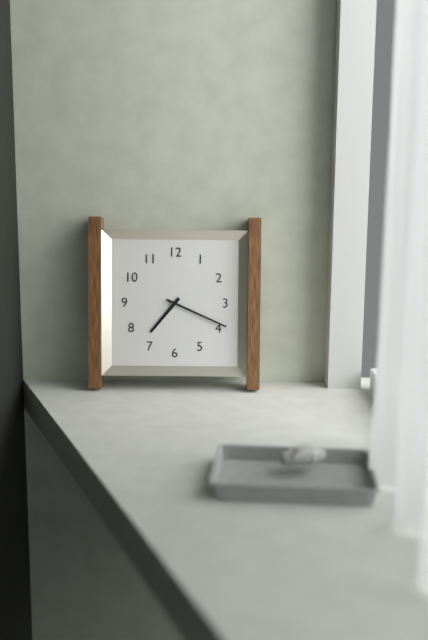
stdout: 7 h 19 min
